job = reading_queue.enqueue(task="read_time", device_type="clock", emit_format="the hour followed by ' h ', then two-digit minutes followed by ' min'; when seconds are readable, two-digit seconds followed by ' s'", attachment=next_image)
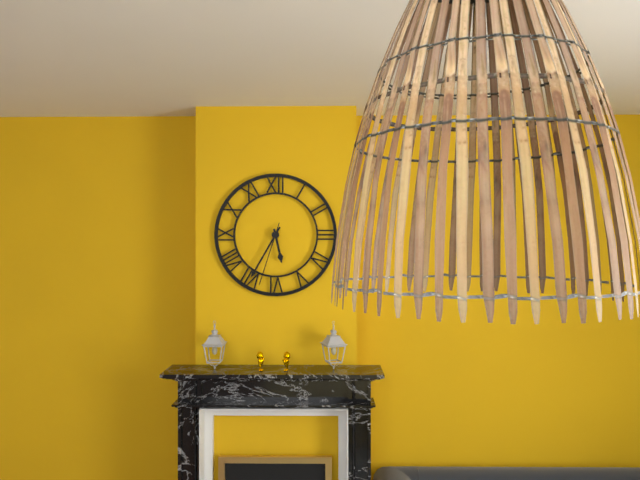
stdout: 5 h 35 min 33 s
